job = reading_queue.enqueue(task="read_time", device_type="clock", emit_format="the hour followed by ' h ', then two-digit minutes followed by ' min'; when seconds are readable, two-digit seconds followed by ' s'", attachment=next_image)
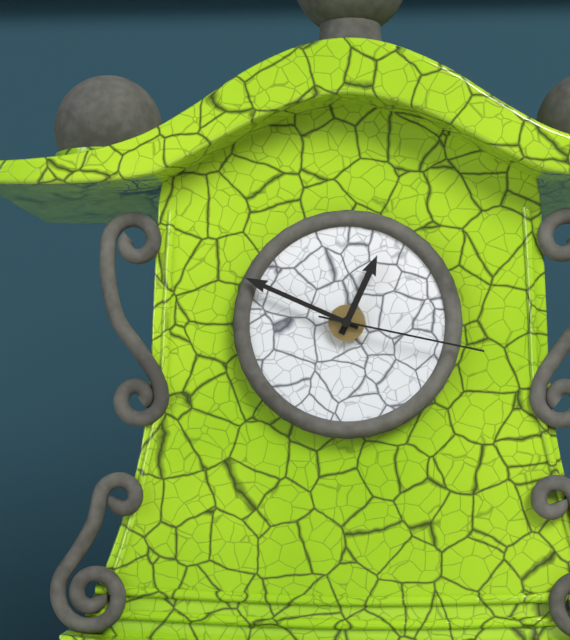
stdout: 12 h 49 min 17 s
